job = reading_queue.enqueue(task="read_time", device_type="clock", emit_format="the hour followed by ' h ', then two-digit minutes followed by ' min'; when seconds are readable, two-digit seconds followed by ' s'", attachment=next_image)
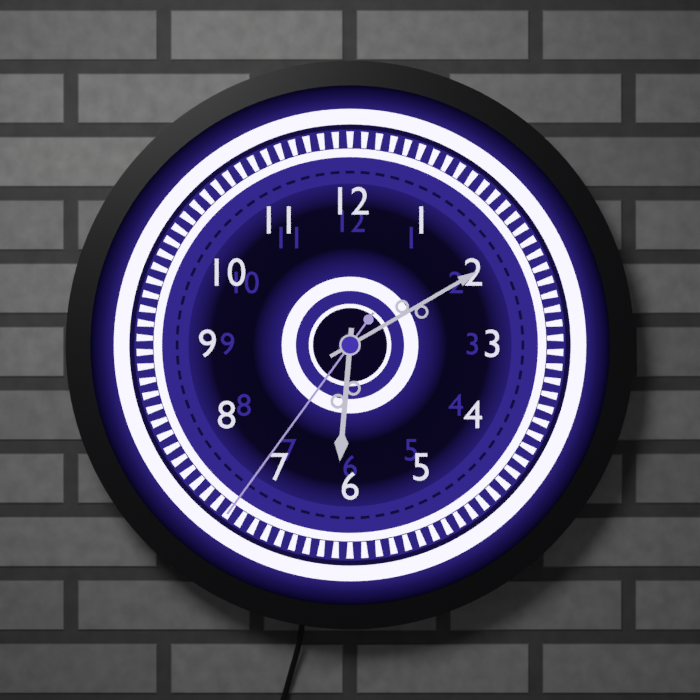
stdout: 6 h 10 min 36 s
